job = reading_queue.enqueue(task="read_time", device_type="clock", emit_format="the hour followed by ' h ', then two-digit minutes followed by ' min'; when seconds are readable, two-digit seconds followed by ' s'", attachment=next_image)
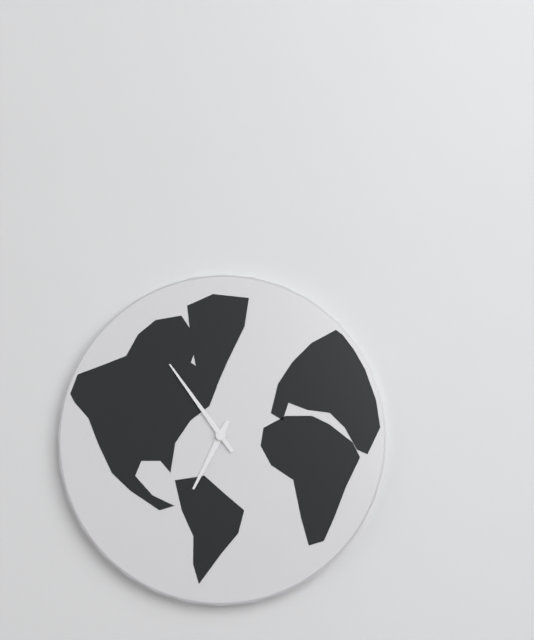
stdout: 6 h 54 min
